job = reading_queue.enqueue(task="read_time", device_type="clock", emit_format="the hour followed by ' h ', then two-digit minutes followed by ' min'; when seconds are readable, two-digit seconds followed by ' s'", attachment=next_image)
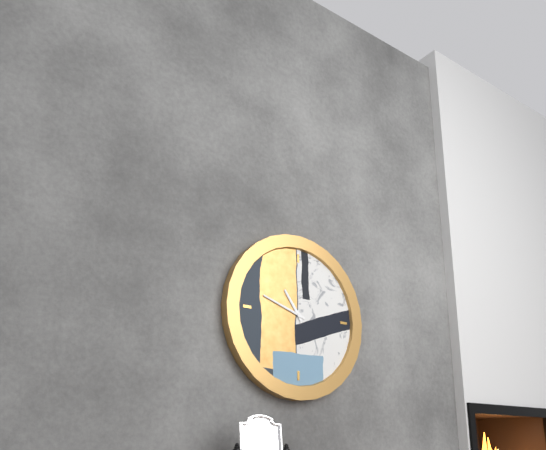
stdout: 10 h 48 min
